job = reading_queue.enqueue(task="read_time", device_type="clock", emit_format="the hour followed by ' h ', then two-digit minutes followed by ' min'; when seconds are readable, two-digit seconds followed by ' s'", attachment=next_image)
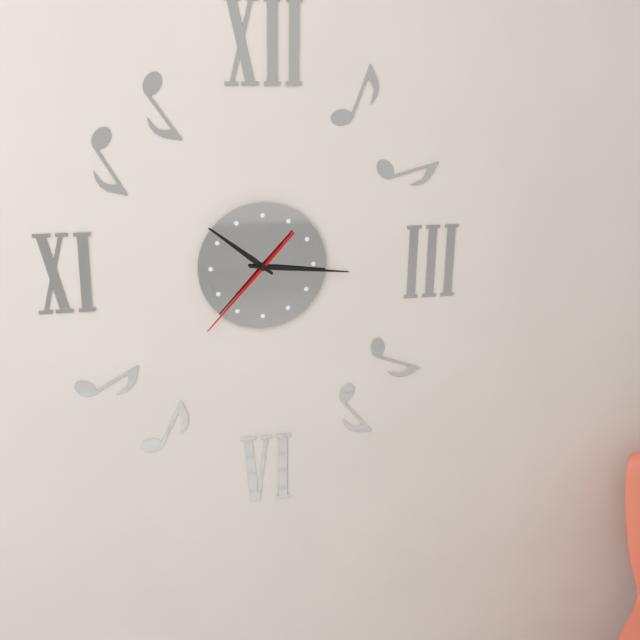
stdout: 10 h 16 min 37 s
